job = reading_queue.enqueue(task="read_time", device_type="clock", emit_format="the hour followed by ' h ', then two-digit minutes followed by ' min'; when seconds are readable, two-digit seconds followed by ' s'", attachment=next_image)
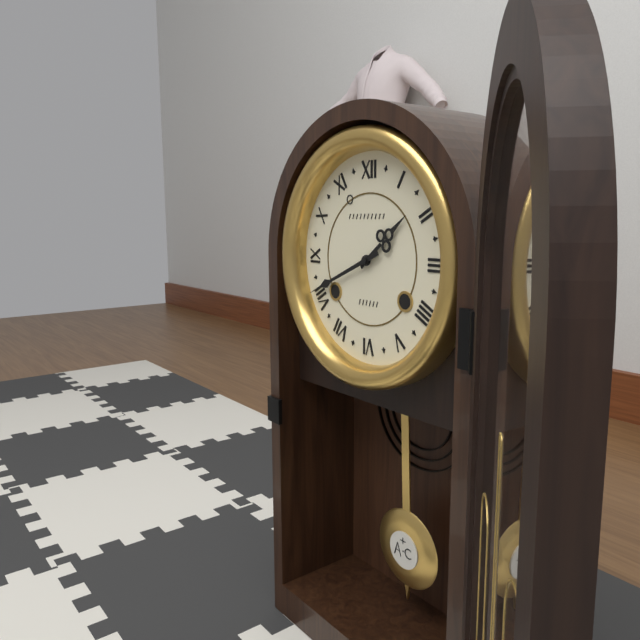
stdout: 1 h 41 min
